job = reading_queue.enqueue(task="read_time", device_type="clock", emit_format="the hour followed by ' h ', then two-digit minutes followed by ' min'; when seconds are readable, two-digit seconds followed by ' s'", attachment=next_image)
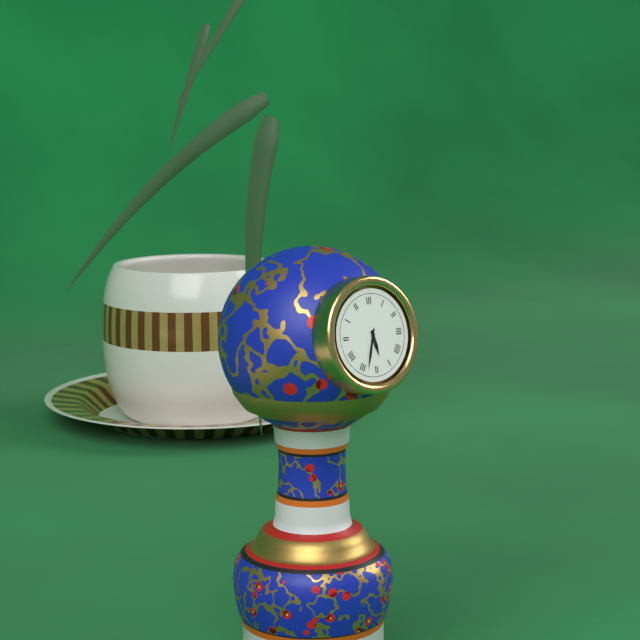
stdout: 5 h 33 min
